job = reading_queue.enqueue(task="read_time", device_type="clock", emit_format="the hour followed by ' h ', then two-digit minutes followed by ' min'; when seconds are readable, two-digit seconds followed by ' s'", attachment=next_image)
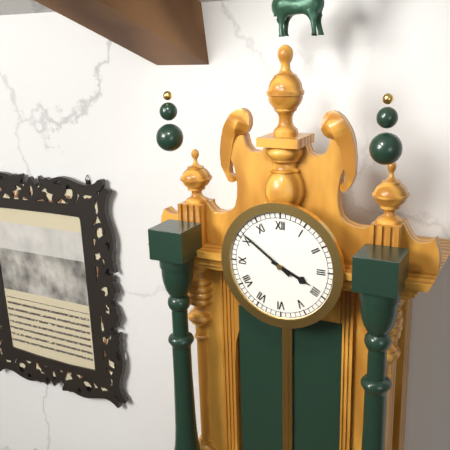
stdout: 3 h 51 min
